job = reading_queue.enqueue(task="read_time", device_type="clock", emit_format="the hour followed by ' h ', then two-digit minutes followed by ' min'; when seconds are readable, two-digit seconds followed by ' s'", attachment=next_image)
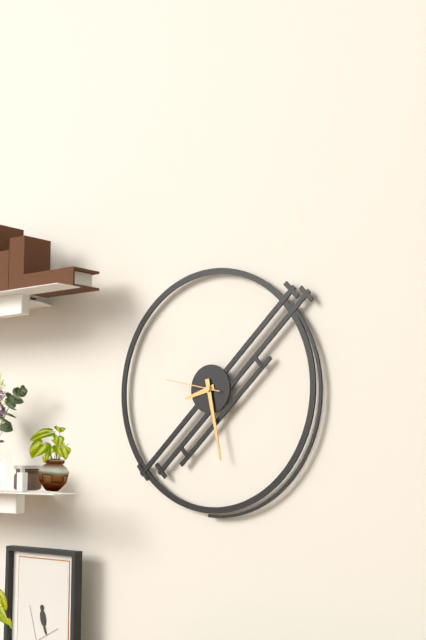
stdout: 8 h 28 min 47 s
